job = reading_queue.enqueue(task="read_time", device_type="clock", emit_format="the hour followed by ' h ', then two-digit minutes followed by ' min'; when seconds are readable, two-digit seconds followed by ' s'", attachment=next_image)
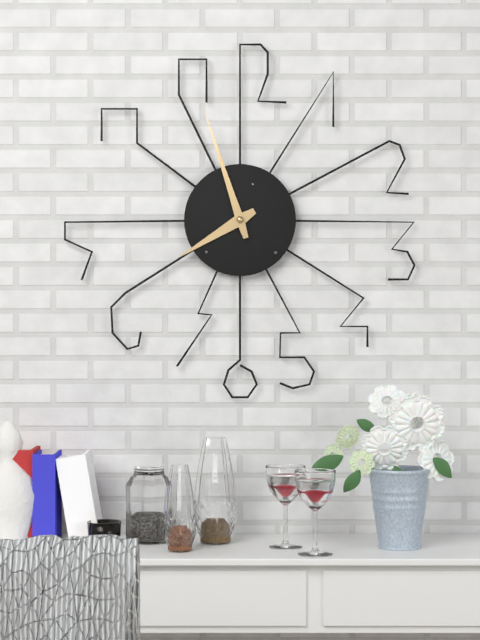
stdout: 7 h 57 min
